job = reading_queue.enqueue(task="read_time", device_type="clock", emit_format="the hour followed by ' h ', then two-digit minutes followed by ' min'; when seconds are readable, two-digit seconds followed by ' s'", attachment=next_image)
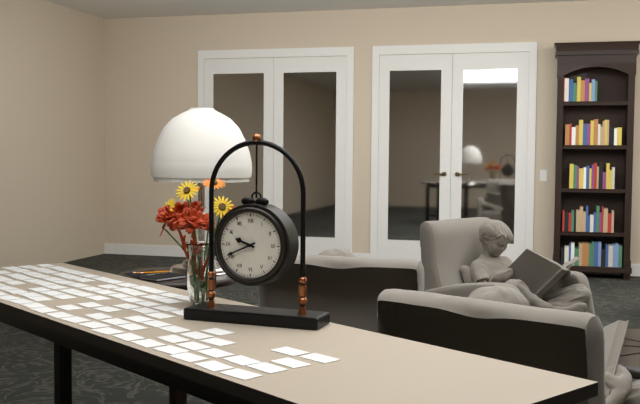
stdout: 9 h 41 min
